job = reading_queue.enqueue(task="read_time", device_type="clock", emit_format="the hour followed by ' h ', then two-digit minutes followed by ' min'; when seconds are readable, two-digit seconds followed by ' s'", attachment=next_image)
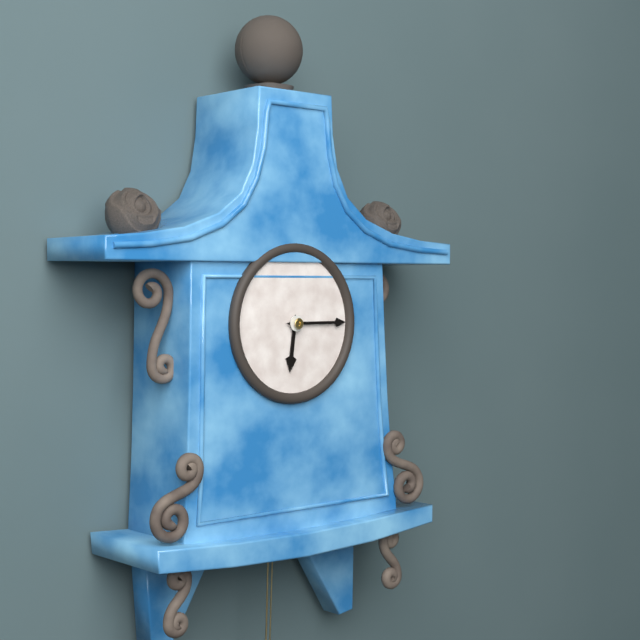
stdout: 6 h 15 min
